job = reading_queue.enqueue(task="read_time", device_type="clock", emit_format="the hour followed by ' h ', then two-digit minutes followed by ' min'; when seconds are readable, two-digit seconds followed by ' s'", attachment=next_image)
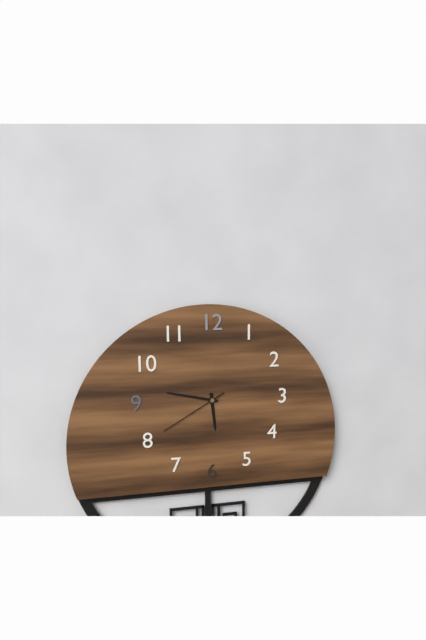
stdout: 5 h 47 min 40 s
